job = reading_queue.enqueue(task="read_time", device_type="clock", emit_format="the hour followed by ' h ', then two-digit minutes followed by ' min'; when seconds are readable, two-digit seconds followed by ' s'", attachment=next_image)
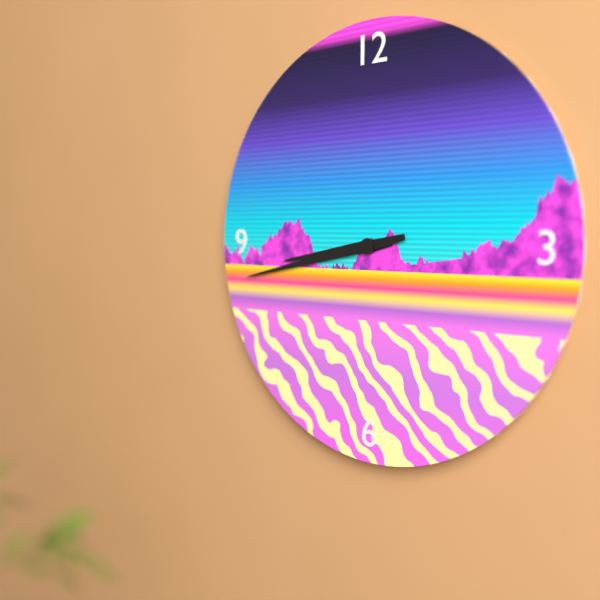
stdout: 8 h 43 min
